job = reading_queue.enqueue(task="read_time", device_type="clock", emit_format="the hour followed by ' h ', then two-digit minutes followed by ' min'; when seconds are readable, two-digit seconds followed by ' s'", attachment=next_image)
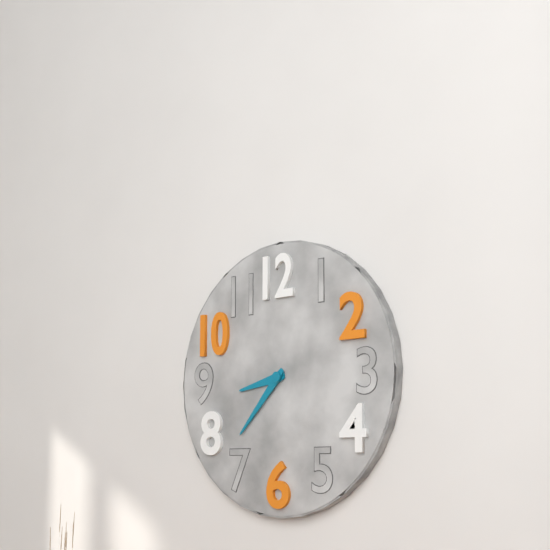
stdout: 8 h 37 min
